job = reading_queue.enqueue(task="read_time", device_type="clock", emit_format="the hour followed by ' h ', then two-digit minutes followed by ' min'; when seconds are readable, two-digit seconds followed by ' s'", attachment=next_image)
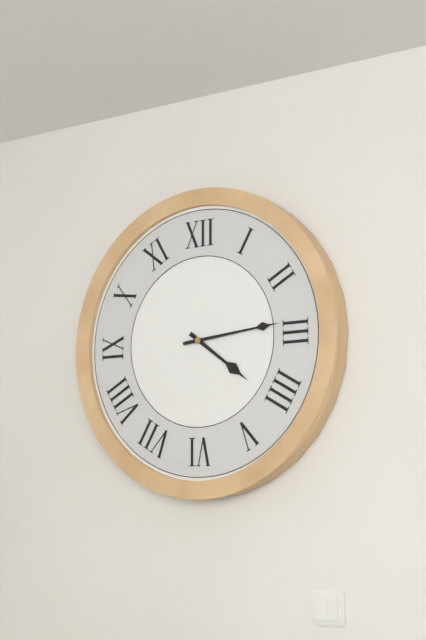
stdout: 4 h 14 min
